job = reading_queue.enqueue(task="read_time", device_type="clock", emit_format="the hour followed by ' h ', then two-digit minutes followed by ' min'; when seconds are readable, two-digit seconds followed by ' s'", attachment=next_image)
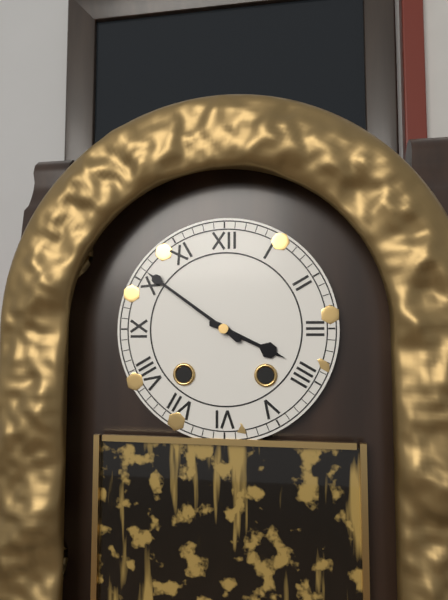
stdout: 3 h 51 min
